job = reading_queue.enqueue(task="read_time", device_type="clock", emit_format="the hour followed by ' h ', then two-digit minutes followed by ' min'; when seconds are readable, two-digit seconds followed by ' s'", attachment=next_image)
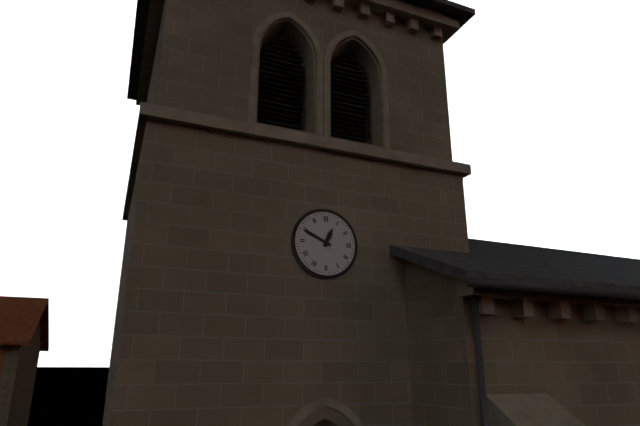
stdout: 12 h 49 min
